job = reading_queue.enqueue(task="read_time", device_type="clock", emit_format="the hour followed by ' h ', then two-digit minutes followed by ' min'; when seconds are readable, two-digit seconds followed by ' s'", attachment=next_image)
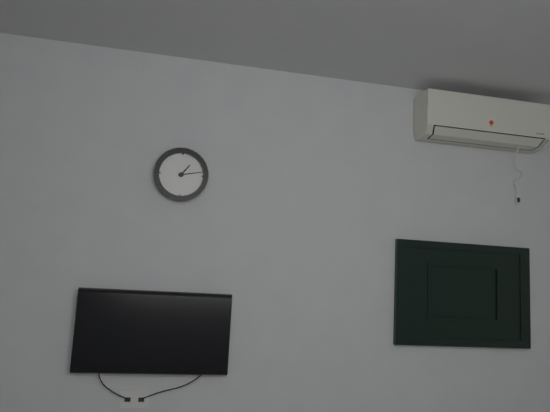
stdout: 1 h 13 min
